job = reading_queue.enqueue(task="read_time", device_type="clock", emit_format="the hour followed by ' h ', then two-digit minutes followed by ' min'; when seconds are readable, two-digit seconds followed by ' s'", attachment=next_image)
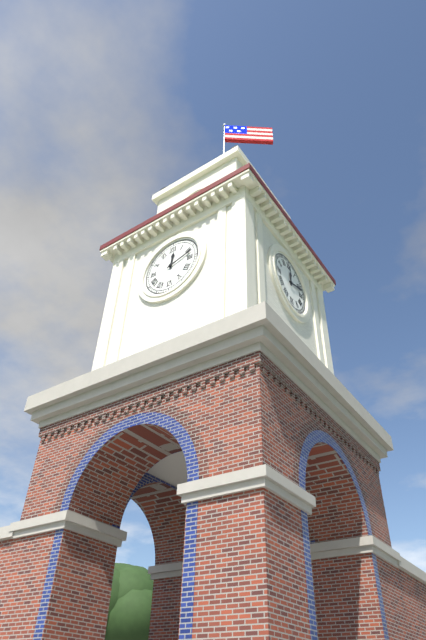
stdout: 12 h 12 min
